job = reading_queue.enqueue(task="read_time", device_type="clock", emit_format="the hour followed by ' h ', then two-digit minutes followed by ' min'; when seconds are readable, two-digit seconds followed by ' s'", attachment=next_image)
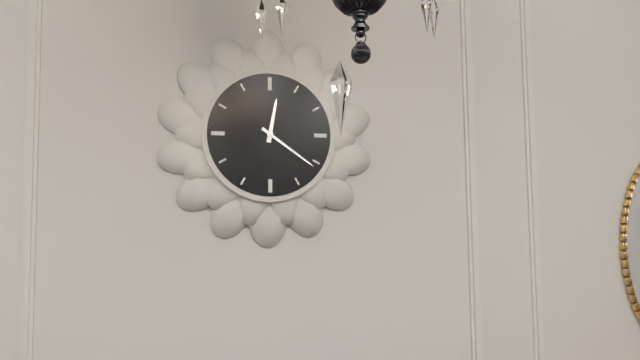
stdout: 12 h 21 min
